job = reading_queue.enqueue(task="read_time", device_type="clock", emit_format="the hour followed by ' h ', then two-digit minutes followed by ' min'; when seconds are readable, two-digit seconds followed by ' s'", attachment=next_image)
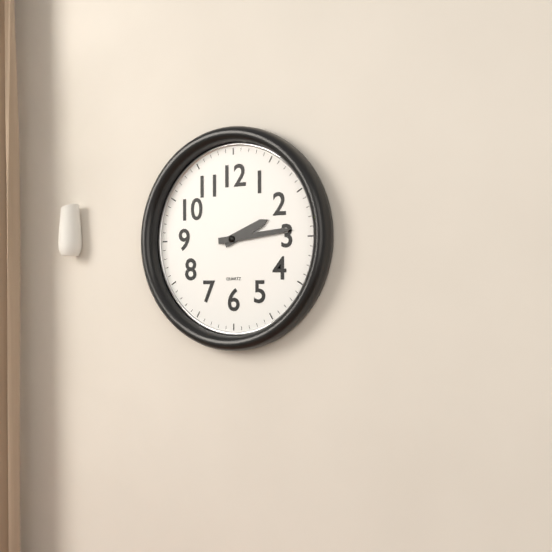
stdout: 2 h 14 min
